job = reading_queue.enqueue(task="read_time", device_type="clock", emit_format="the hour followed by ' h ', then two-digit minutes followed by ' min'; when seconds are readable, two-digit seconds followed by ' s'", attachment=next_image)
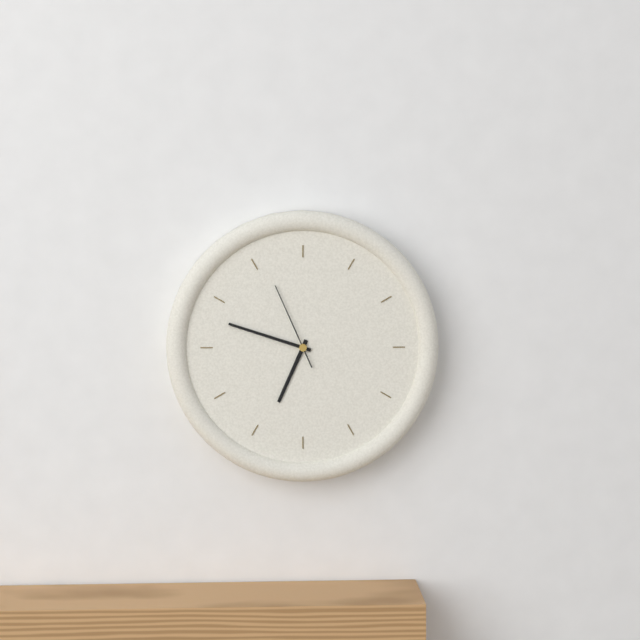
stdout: 6 h 48 min 56 s
